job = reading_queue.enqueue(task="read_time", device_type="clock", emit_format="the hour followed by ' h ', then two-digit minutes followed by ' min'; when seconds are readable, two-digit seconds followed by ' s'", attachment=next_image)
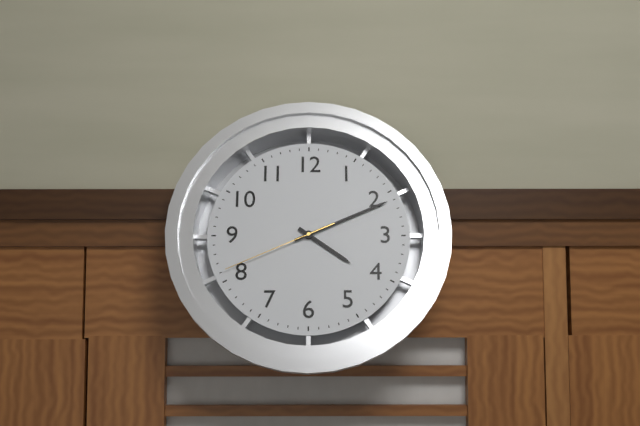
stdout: 4 h 11 min 41 s
